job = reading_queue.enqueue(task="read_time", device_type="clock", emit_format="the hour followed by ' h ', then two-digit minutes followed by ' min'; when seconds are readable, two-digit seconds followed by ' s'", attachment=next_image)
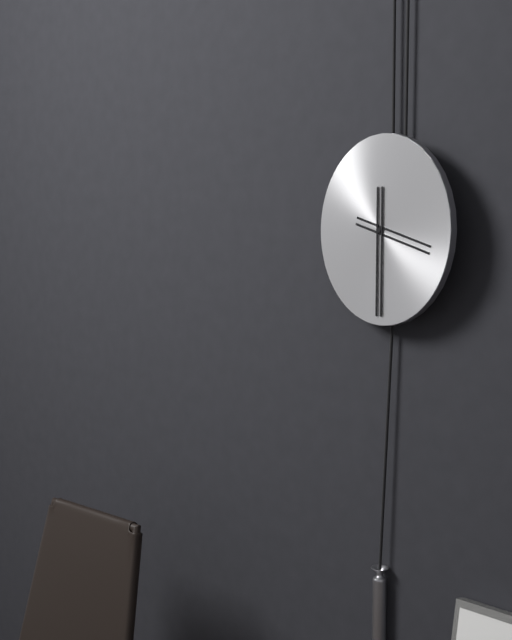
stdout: 3 h 30 min
